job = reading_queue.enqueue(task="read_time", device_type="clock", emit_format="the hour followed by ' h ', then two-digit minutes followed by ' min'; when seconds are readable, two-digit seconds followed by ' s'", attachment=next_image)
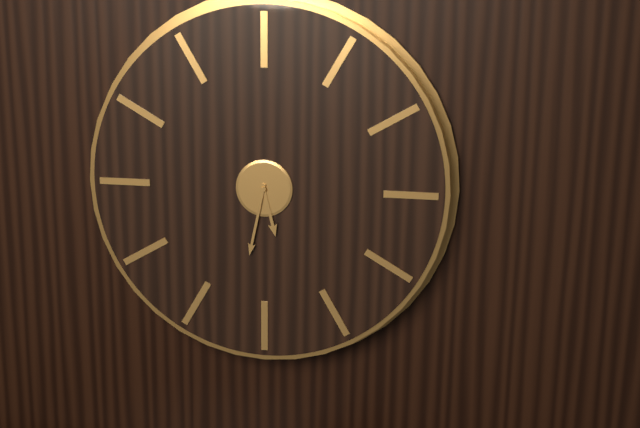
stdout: 5 h 32 min
